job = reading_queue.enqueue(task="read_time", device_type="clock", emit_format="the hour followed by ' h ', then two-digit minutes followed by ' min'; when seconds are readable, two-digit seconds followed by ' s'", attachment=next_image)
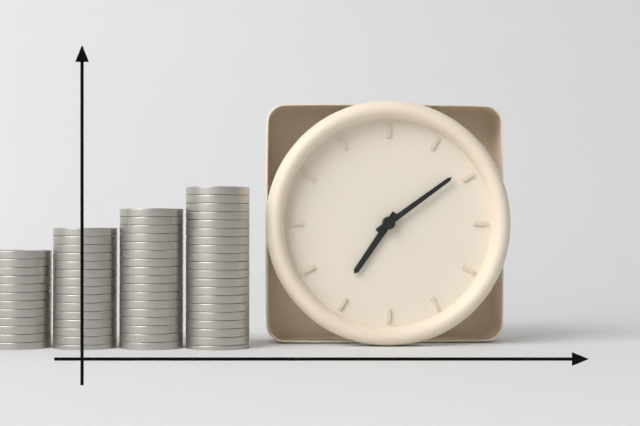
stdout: 7 h 09 min
